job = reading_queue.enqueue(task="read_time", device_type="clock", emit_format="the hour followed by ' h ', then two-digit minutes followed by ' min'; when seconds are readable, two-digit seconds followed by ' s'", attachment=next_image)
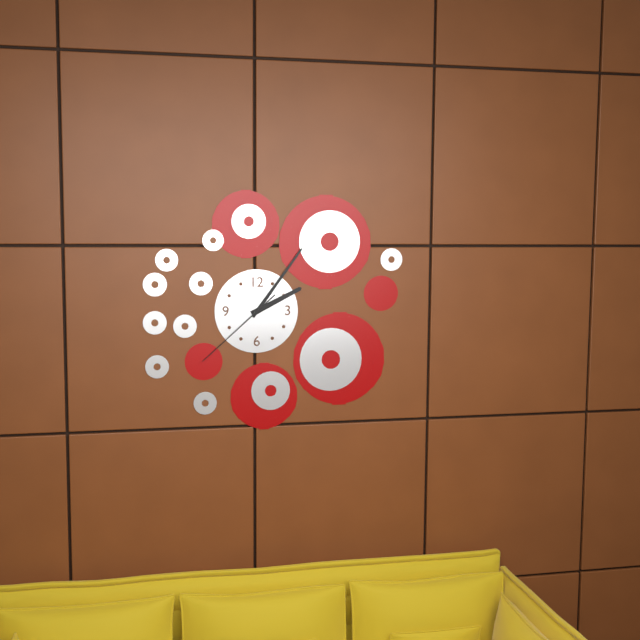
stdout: 2 h 06 min 38 s
